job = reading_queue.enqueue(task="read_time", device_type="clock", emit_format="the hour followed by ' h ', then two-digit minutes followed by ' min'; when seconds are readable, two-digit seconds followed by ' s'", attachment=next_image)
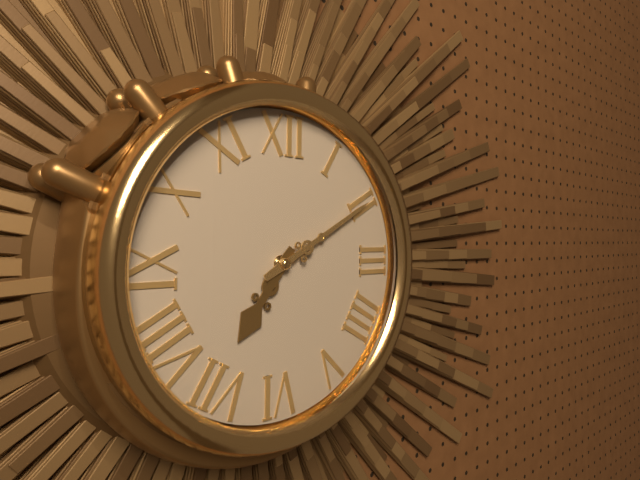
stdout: 7 h 10 min
